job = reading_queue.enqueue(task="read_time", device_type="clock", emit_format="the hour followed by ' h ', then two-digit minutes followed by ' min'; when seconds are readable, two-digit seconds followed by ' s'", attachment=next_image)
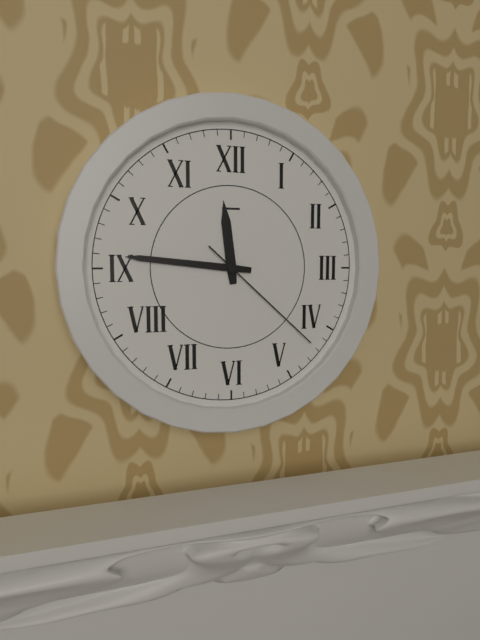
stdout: 11 h 46 min 22 s
